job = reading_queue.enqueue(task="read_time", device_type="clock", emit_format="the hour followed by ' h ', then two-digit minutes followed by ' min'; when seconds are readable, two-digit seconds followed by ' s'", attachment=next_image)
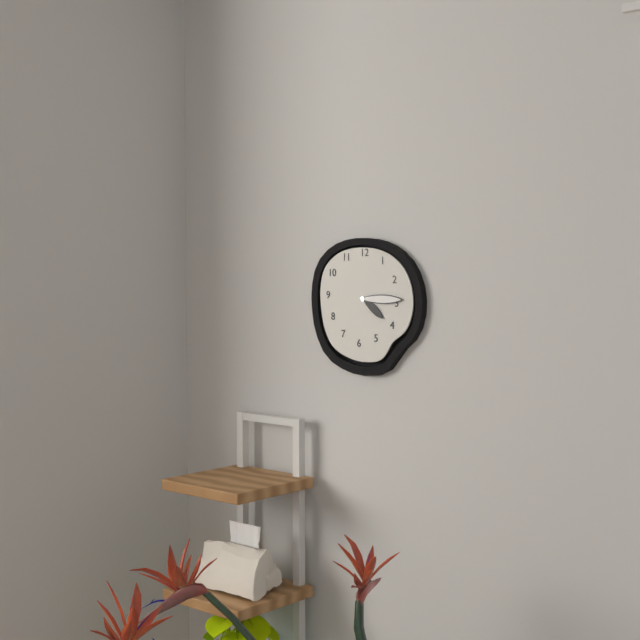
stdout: 4 h 15 min
